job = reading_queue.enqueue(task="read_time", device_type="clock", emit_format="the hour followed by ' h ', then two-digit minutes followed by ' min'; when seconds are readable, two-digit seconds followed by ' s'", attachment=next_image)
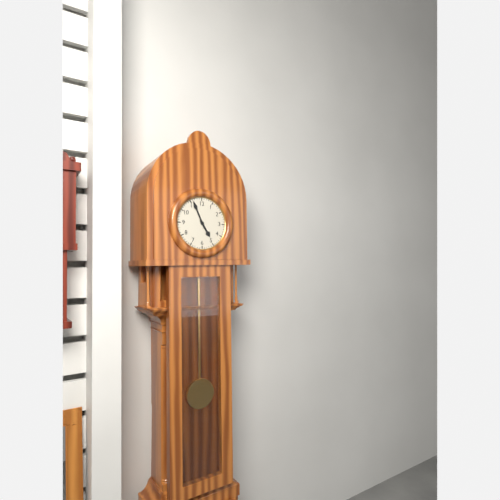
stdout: 4 h 56 min
